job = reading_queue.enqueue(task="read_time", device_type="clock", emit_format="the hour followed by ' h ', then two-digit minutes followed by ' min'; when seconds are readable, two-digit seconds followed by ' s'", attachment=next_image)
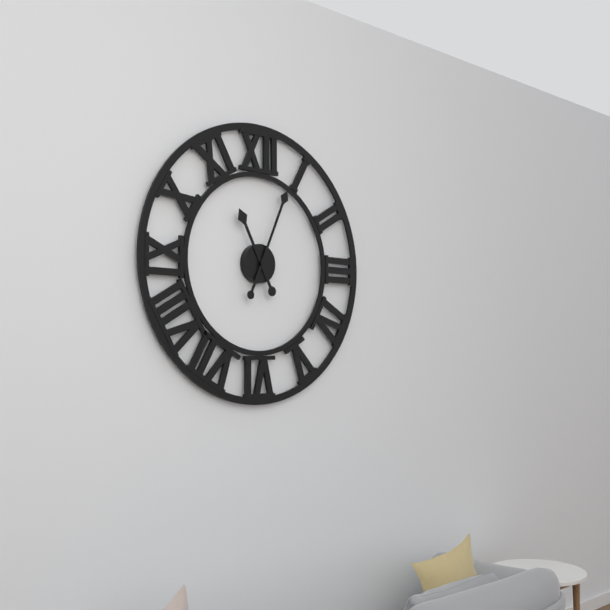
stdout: 11 h 04 min
